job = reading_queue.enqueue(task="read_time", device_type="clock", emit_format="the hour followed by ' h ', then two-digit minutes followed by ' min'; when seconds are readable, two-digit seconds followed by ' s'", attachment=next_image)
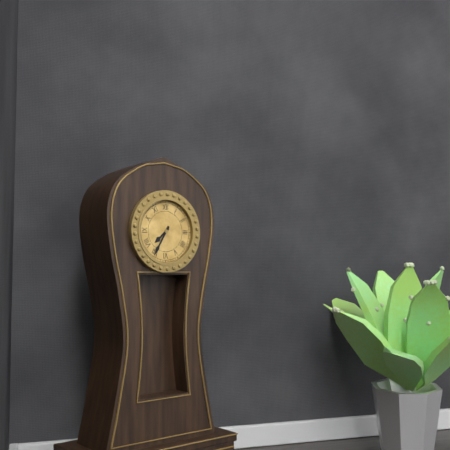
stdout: 7 h 35 min
